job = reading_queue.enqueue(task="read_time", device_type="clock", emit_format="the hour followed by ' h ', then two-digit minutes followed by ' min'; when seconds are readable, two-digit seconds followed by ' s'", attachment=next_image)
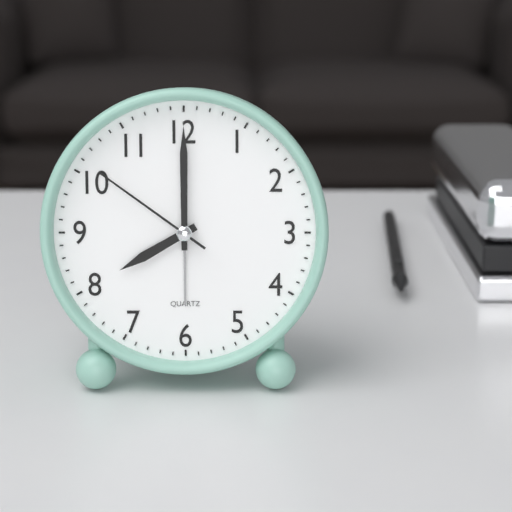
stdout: 8 h 00 min 51 s
